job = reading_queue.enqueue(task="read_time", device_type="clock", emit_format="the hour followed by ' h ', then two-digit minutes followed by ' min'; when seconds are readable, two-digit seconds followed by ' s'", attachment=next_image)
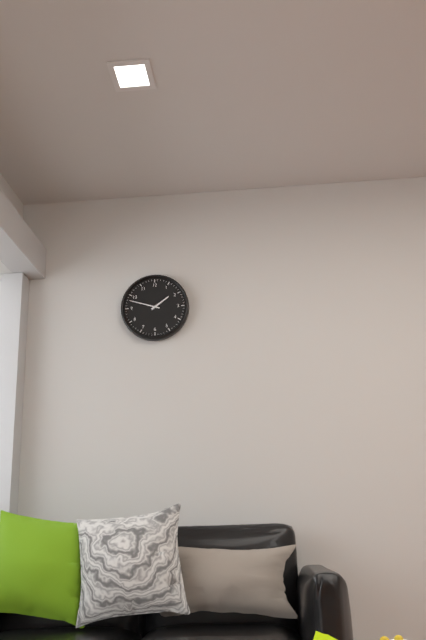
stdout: 1 h 48 min
